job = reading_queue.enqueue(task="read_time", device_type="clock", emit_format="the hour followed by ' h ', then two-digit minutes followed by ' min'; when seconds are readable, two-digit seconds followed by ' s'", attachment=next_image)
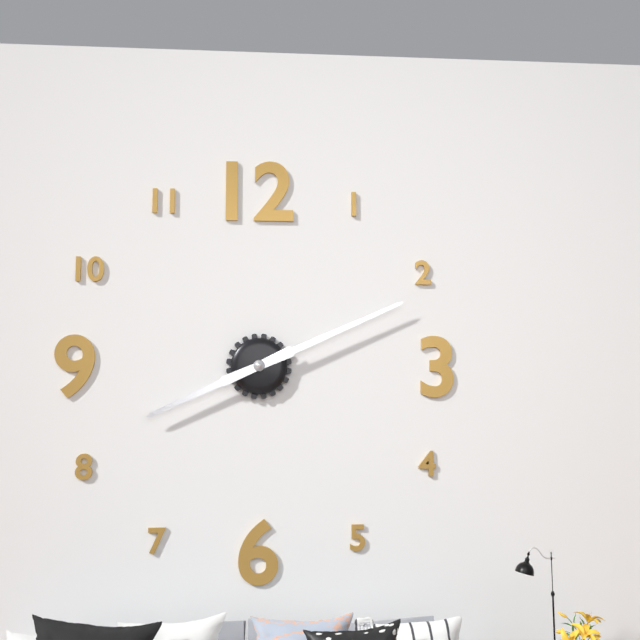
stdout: 8 h 11 min
